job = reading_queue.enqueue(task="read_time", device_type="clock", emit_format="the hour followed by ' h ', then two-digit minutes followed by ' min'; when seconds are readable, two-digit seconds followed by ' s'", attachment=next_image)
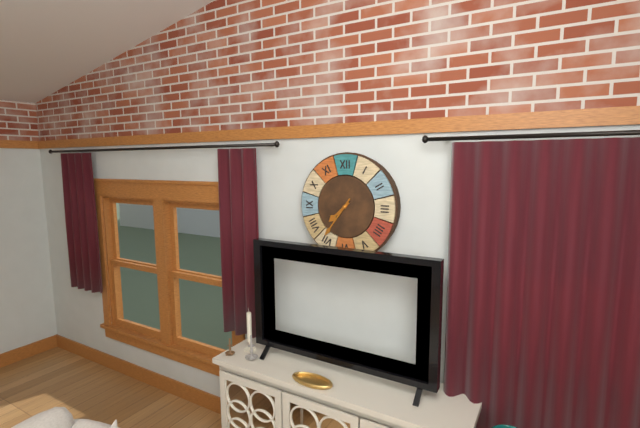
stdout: 7 h 36 min
